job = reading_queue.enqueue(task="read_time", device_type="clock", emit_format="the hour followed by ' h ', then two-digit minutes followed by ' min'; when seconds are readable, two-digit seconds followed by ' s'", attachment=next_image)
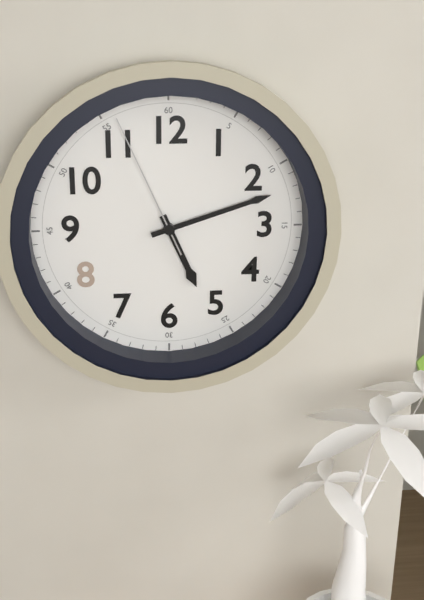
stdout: 5 h 12 min 56 s
